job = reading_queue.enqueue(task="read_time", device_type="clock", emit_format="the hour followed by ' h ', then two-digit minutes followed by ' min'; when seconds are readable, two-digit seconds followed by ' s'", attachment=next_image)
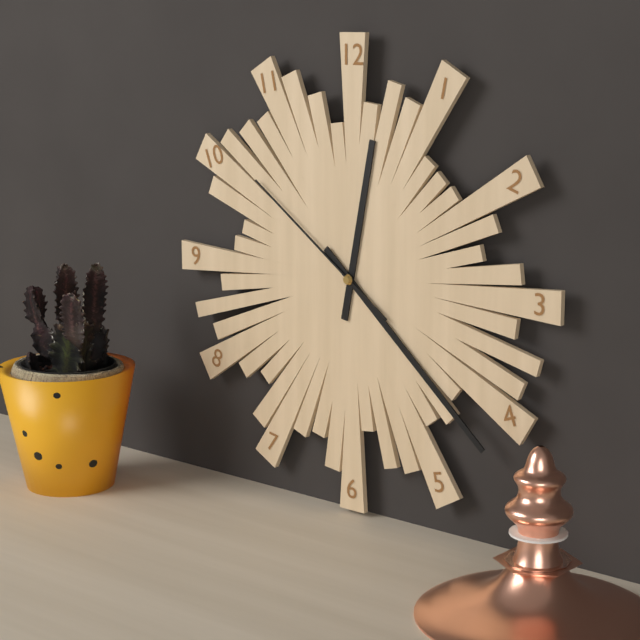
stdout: 12 h 22 min 51 s
